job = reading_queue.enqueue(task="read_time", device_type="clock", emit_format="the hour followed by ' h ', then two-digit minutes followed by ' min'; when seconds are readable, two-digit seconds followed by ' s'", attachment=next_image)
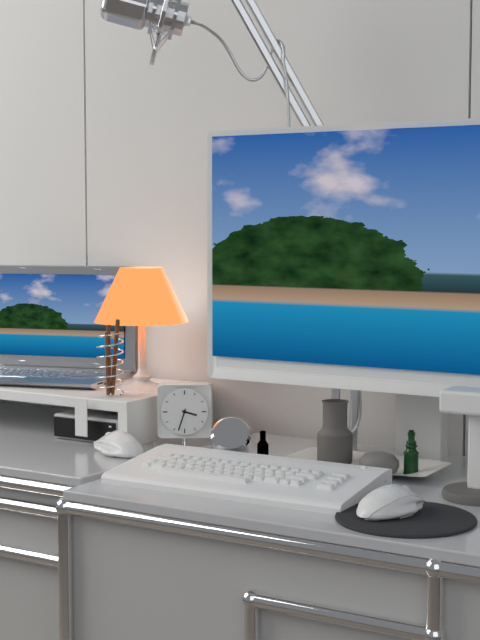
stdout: 3 h 33 min
